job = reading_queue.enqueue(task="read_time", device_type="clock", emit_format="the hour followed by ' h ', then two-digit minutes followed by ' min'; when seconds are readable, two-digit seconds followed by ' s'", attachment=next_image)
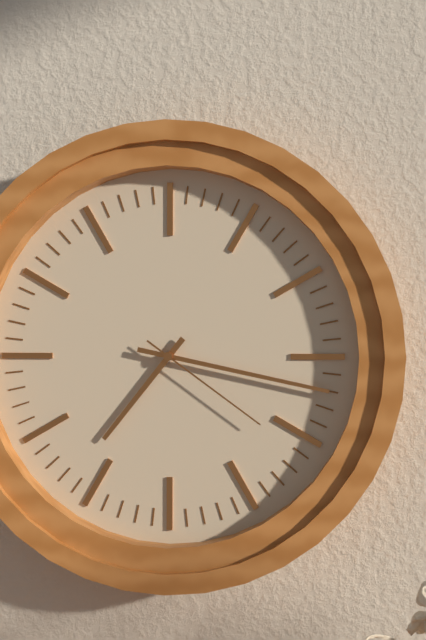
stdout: 7 h 17 min 21 s
